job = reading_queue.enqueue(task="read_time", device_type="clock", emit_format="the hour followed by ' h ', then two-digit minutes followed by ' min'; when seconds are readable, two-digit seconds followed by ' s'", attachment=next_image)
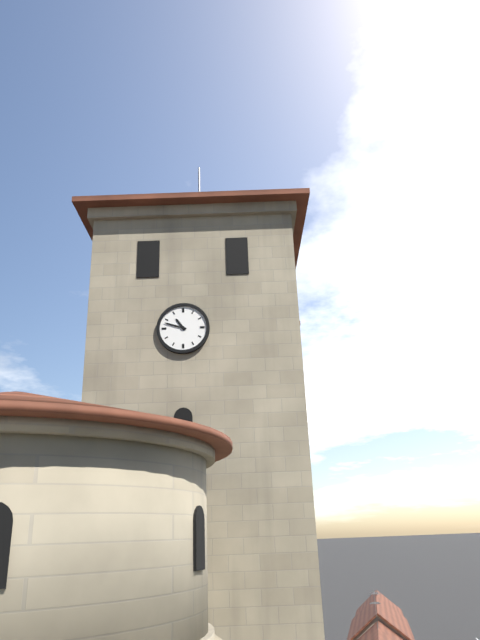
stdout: 10 h 48 min
